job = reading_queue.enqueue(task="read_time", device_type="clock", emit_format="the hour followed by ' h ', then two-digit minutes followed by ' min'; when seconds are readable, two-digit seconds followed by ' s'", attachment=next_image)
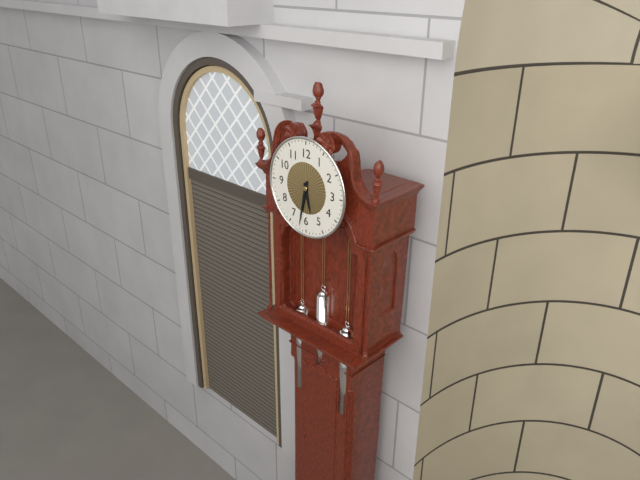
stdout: 5 h 32 min
